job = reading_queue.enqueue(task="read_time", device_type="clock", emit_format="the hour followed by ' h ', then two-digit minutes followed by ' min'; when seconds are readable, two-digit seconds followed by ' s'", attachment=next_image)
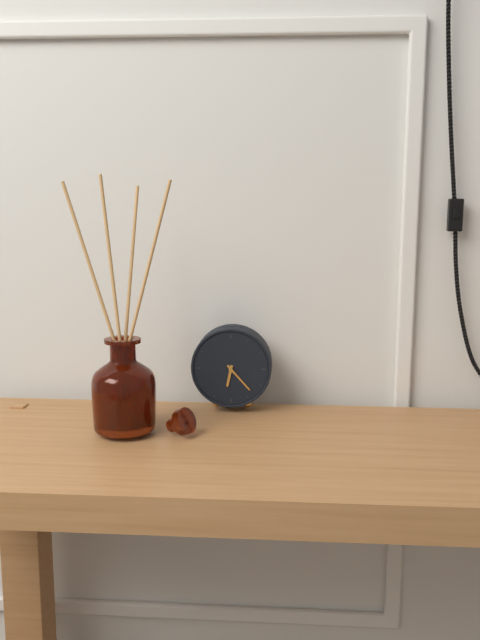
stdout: 6 h 23 min
